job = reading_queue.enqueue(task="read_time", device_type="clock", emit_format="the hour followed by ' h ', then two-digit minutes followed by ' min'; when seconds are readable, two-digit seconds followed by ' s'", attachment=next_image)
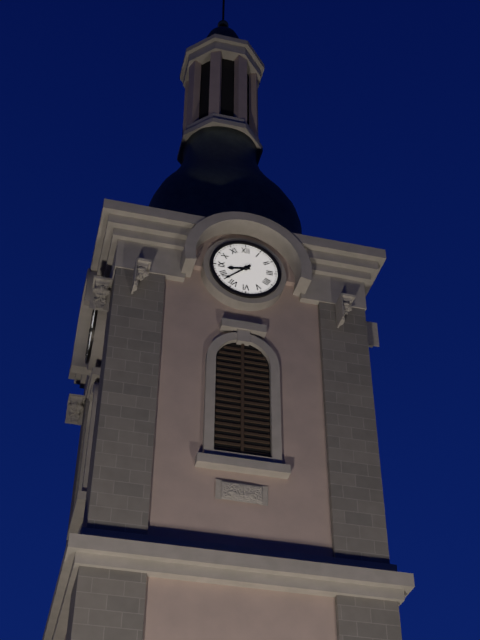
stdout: 8 h 38 min
